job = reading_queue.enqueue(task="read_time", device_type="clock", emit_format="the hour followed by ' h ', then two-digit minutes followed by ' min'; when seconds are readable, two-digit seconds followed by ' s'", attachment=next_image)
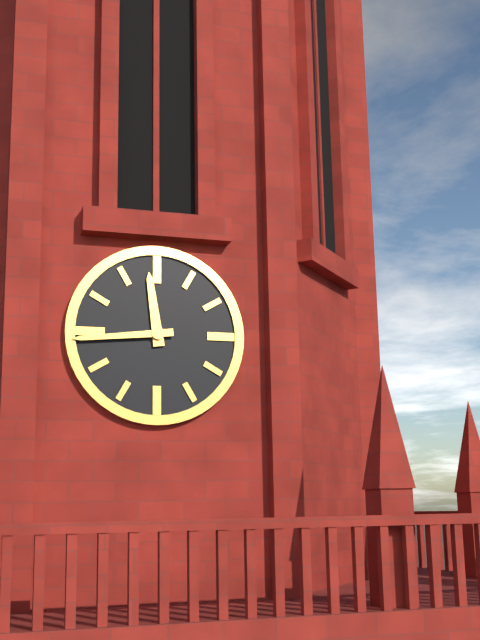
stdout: 11 h 44 min
